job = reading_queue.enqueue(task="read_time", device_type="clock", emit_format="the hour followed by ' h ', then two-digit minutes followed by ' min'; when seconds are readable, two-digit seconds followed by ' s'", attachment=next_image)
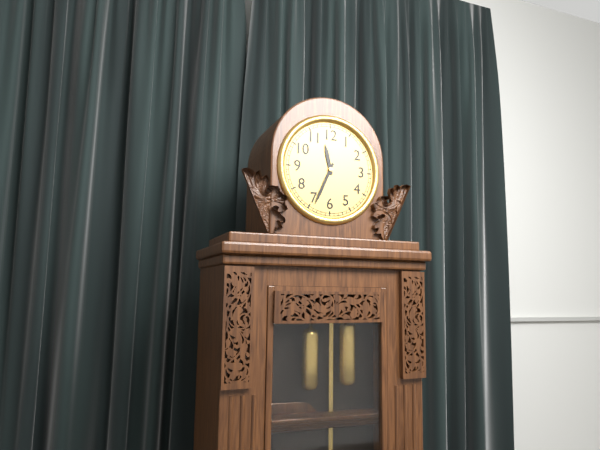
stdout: 11 h 34 min
